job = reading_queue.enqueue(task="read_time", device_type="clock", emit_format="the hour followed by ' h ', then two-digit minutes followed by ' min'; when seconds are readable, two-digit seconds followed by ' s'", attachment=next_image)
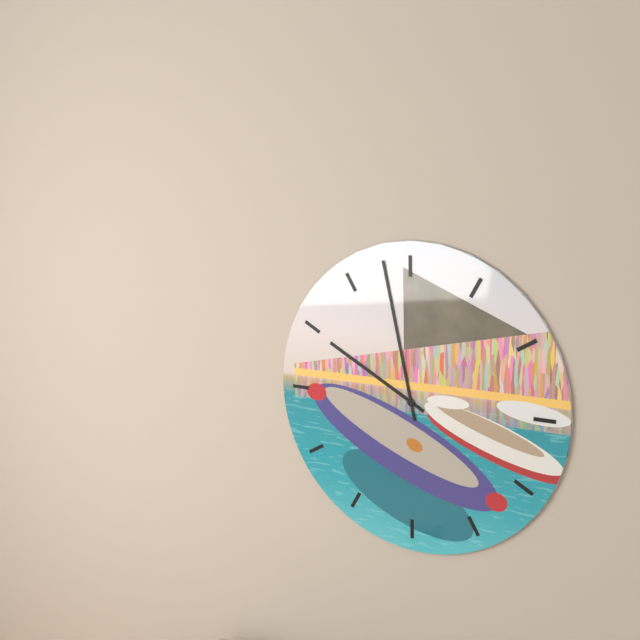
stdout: 9 h 58 min
